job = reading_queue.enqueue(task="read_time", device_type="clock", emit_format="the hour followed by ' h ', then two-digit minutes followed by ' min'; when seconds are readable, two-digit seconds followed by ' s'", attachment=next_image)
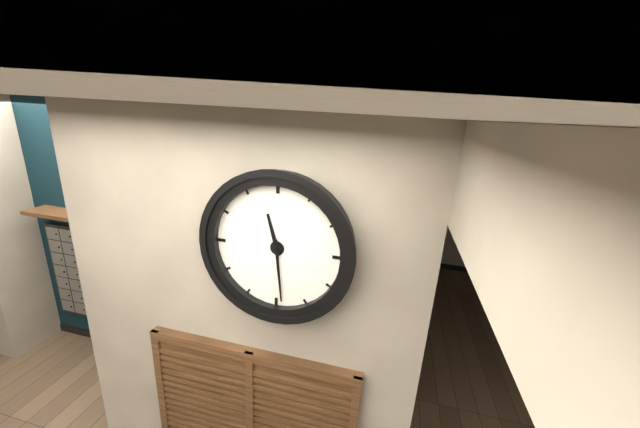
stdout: 11 h 29 min
